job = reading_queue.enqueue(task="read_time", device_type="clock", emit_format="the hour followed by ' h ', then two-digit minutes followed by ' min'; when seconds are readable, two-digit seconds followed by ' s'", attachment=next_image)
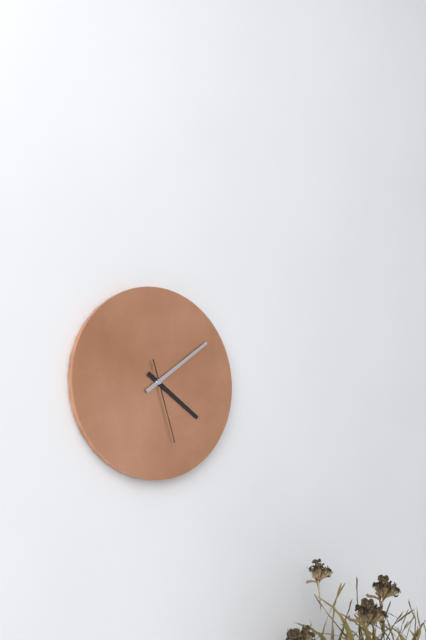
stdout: 4 h 09 min 27 s
